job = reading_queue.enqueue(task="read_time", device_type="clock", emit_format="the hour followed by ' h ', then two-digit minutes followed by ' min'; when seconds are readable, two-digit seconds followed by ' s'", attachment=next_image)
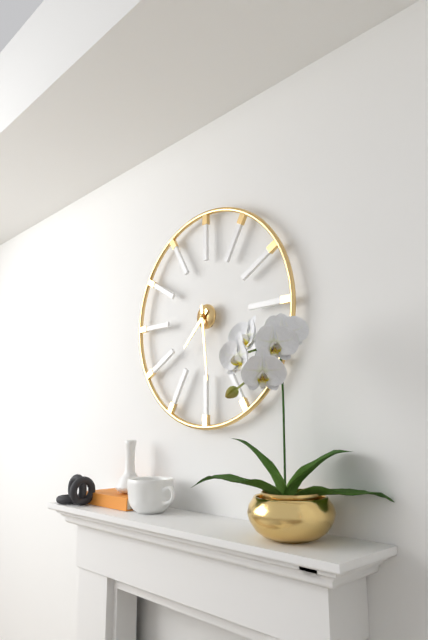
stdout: 7 h 29 min
